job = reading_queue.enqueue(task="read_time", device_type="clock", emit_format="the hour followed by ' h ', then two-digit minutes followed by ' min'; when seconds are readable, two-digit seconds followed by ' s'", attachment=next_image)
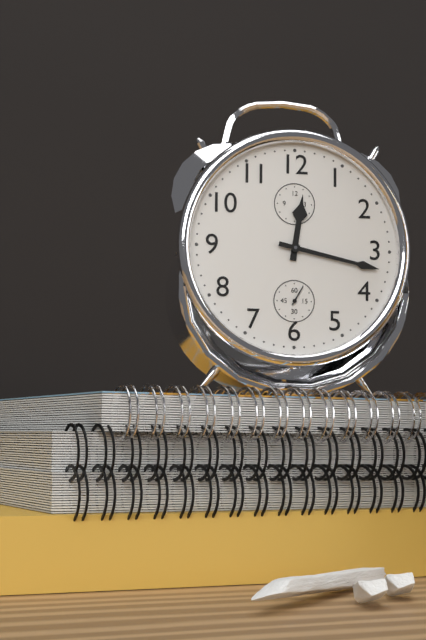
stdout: 12 h 17 min
